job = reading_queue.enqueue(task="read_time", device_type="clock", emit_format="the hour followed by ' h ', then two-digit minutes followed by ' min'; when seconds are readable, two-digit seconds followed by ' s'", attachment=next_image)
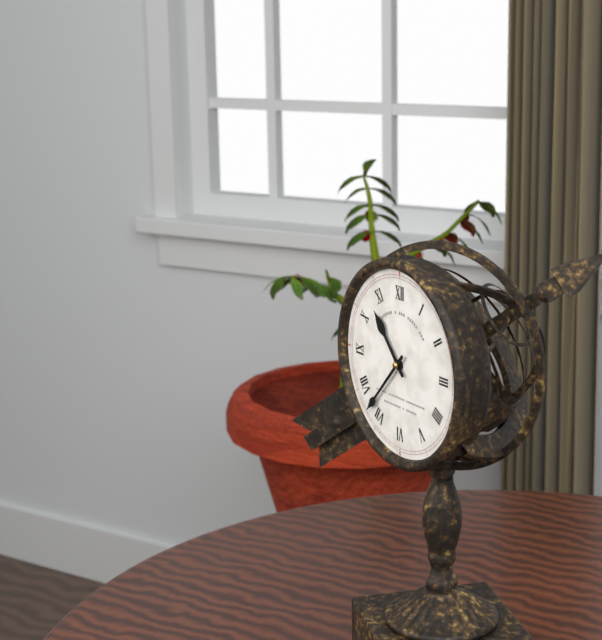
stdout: 10 h 37 min
